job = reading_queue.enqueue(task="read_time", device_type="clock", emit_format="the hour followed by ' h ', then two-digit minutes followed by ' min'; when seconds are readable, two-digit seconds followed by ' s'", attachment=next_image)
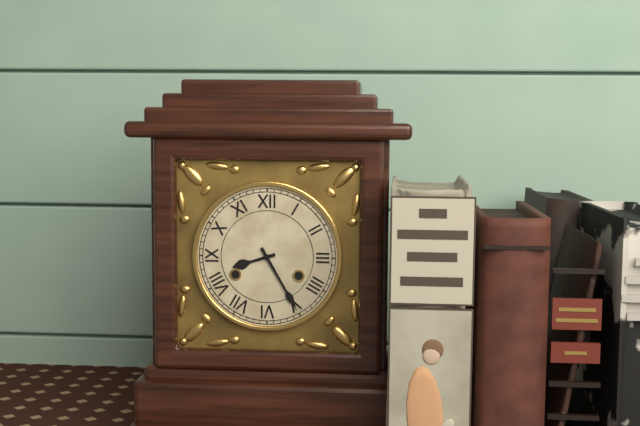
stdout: 8 h 25 min
